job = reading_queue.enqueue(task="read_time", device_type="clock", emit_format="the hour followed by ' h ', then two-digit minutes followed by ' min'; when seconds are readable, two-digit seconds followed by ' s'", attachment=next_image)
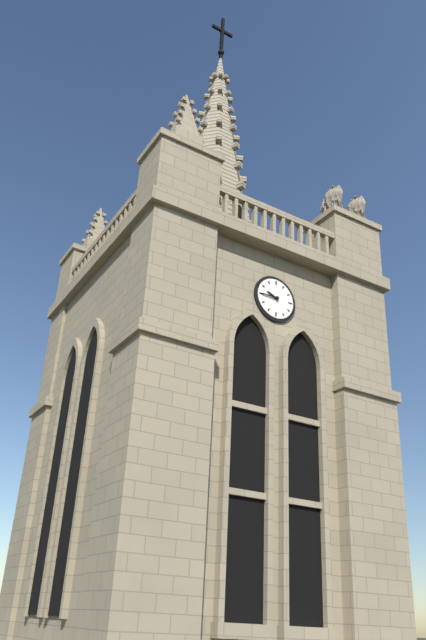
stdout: 9 h 45 min
